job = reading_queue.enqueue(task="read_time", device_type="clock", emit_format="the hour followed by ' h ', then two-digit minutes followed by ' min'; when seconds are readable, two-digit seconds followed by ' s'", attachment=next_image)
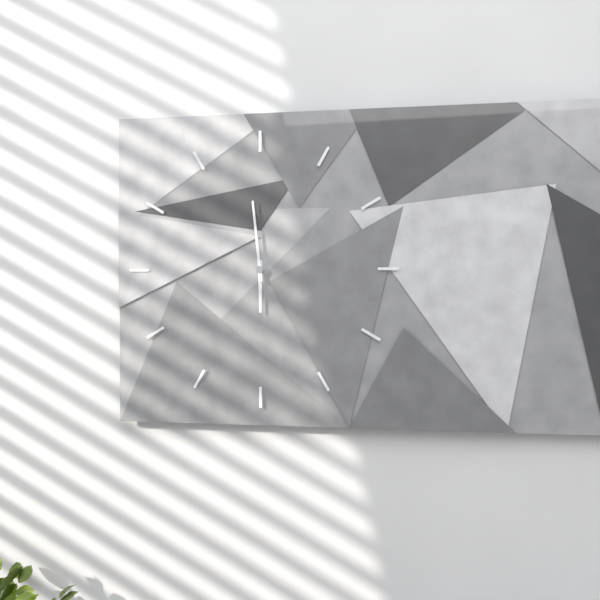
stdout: 5 h 59 min
